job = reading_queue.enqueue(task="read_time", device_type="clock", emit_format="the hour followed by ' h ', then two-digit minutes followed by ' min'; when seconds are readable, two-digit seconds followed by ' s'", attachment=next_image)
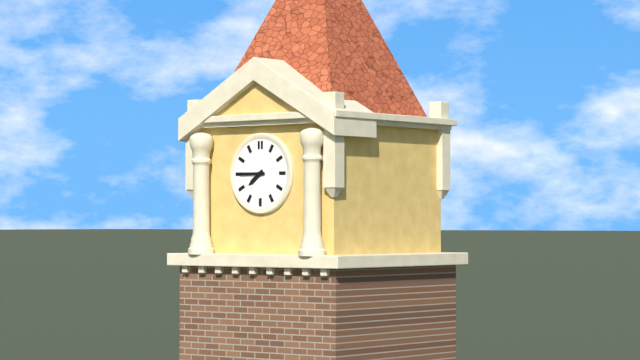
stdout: 7 h 45 min
